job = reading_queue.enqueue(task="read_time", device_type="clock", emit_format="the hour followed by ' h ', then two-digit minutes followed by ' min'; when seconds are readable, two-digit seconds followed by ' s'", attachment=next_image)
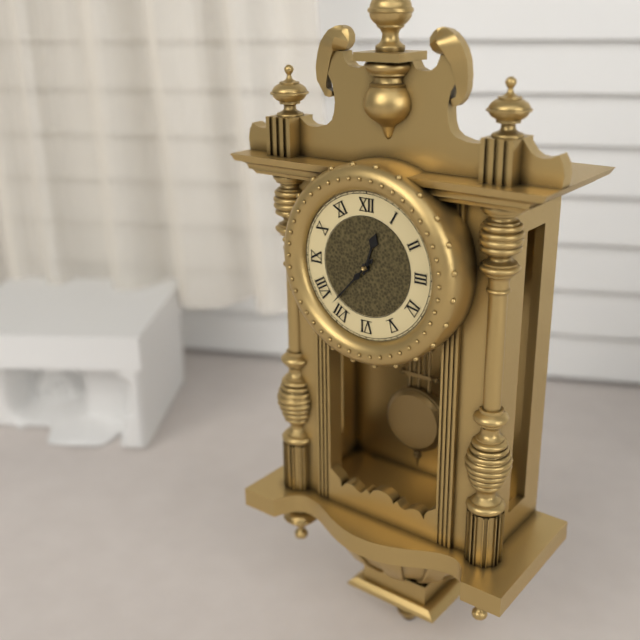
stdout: 12 h 37 min
